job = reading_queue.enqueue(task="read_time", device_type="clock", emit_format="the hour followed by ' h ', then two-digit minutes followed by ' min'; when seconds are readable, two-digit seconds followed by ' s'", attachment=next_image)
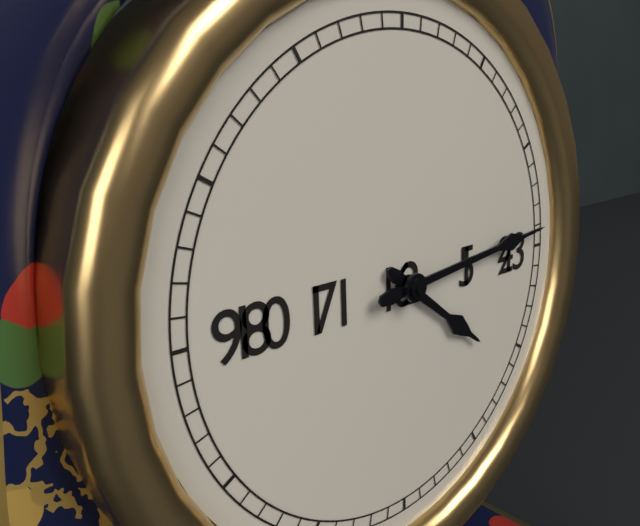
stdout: 4 h 14 min
